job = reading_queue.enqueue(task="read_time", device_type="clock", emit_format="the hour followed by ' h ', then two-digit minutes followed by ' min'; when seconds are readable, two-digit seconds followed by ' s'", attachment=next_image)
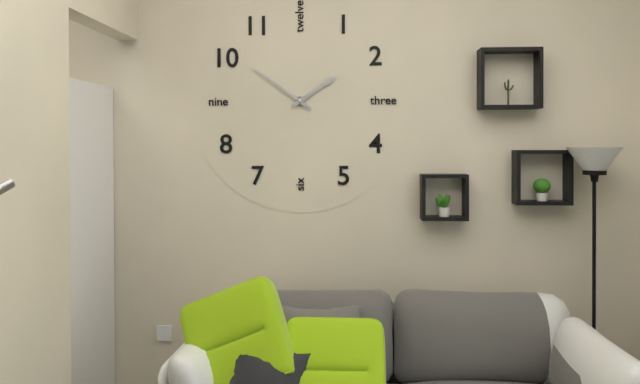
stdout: 1 h 51 min
